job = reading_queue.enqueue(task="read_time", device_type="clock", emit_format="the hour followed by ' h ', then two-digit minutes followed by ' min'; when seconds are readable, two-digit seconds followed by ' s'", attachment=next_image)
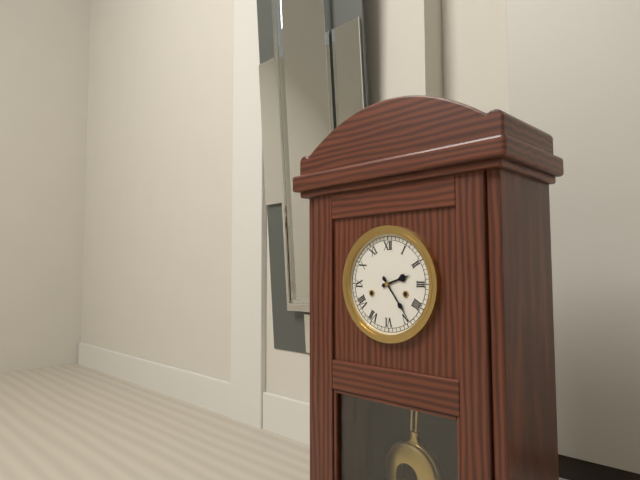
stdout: 2 h 24 min
